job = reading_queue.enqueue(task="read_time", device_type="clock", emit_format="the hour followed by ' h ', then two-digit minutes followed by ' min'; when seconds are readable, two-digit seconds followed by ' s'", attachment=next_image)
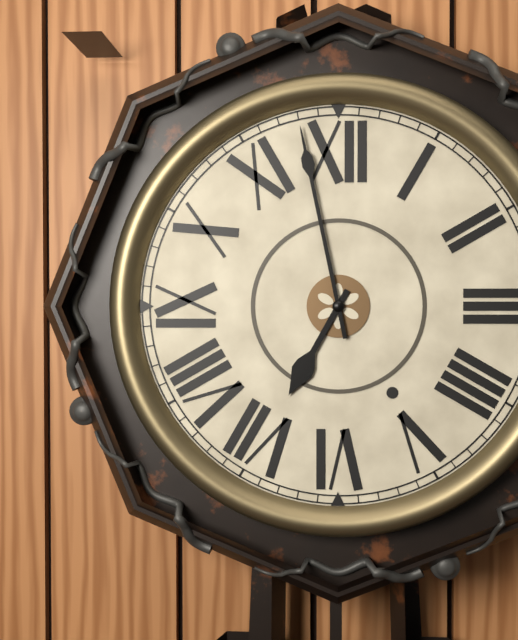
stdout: 6 h 58 min
